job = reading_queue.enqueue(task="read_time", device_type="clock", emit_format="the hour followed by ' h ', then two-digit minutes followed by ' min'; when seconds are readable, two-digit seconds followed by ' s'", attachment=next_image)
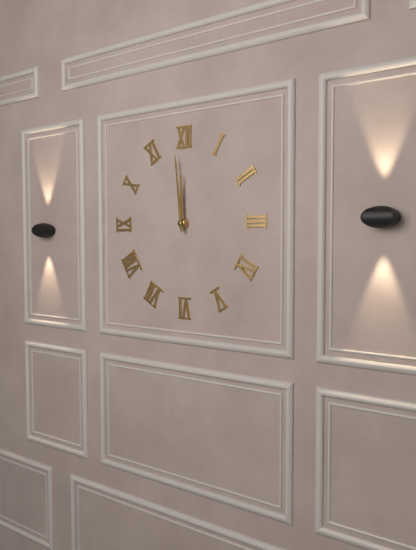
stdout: 11 h 59 min
